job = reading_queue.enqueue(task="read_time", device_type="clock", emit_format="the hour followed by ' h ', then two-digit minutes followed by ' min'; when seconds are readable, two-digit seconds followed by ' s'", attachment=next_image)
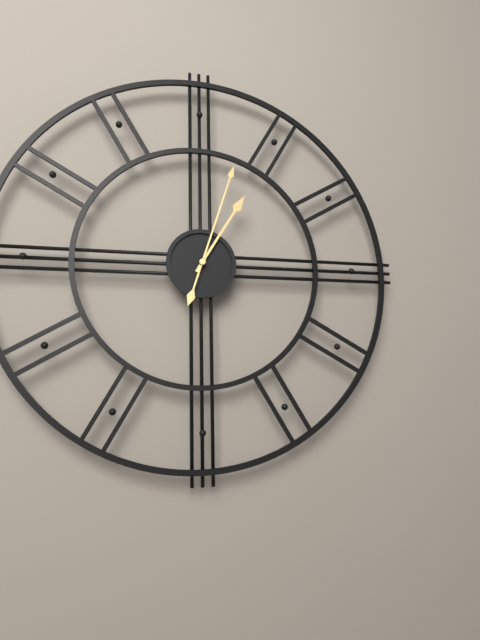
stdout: 1 h 03 min
